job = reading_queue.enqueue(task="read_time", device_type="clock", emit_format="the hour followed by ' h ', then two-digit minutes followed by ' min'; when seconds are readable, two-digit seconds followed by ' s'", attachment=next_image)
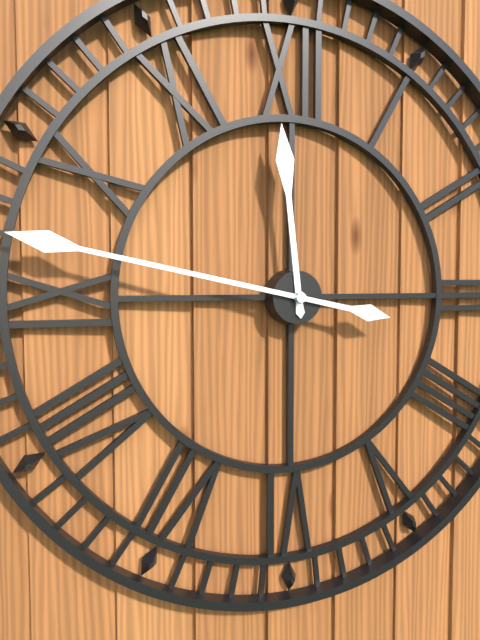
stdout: 11 h 47 min
